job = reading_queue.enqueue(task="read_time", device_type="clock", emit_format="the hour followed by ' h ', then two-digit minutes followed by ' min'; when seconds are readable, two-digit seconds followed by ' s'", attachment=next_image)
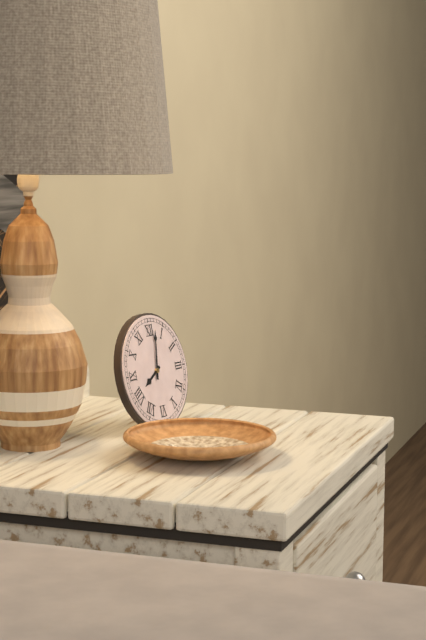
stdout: 8 h 02 min
